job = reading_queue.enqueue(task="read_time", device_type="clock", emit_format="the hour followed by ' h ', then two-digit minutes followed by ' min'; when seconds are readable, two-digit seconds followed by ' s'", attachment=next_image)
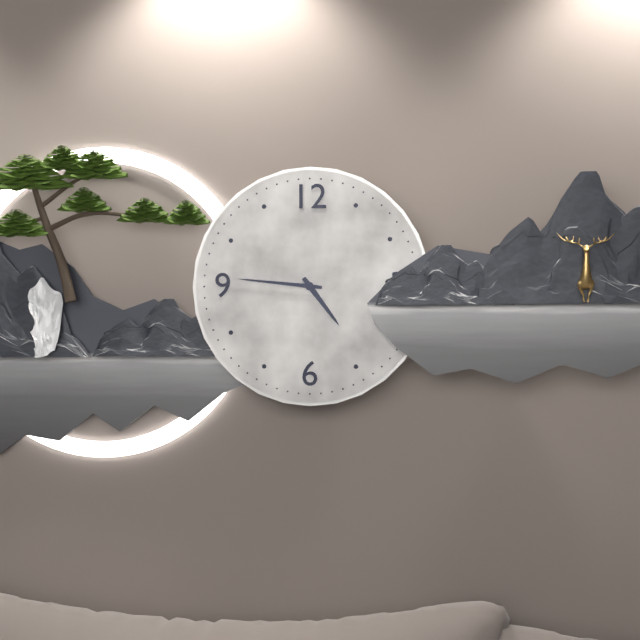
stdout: 4 h 46 min
